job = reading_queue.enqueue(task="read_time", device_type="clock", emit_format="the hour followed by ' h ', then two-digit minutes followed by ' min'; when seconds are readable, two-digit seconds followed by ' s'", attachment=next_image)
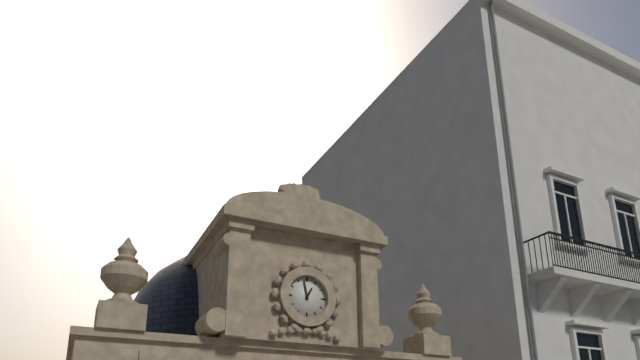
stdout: 12 h 58 min
